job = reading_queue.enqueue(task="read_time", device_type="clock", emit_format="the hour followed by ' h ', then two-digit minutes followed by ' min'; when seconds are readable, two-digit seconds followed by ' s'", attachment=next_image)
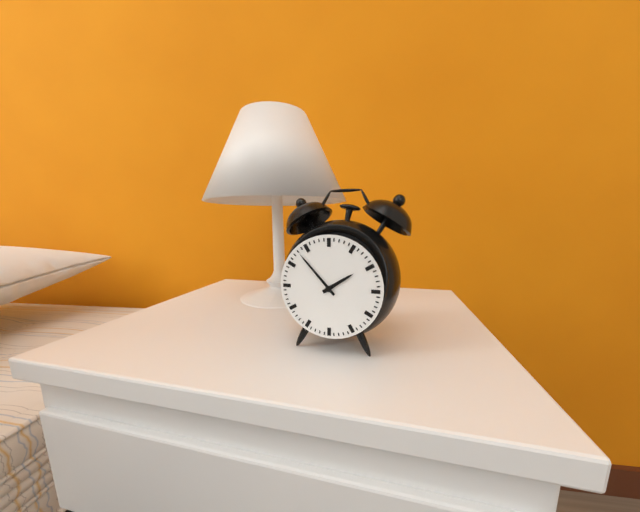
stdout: 1 h 53 min
